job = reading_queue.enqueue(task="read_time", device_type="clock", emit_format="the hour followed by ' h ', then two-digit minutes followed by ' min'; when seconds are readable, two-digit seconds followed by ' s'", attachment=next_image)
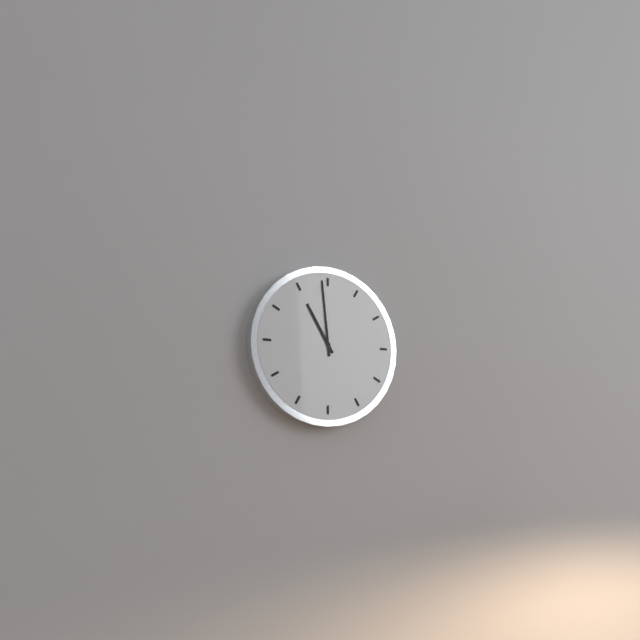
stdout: 10 h 59 min
